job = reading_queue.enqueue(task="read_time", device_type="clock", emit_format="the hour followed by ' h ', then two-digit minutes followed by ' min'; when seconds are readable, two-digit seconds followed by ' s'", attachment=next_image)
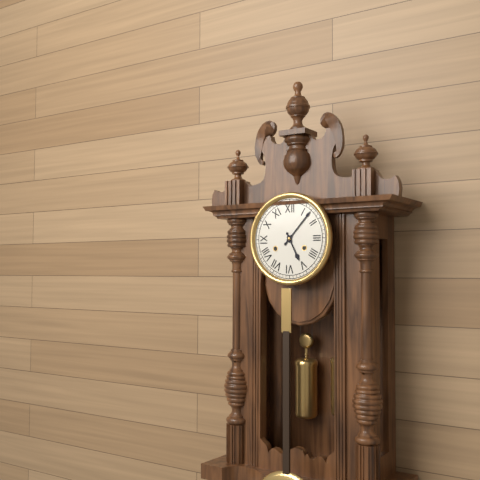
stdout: 5 h 07 min
